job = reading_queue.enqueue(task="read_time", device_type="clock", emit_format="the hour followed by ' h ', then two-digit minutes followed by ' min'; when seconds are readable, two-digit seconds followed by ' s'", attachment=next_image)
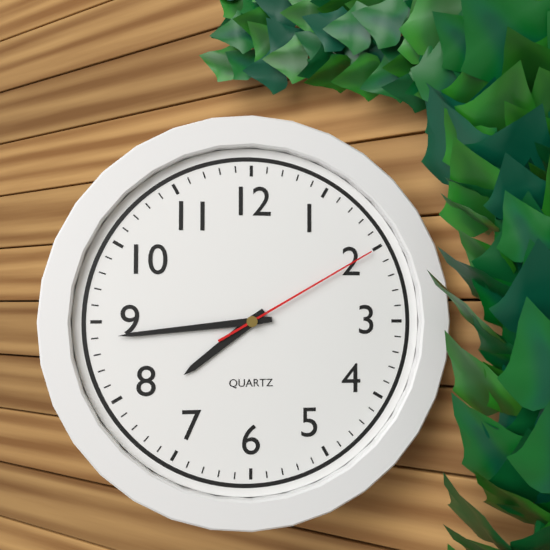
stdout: 7 h 44 min 10 s
